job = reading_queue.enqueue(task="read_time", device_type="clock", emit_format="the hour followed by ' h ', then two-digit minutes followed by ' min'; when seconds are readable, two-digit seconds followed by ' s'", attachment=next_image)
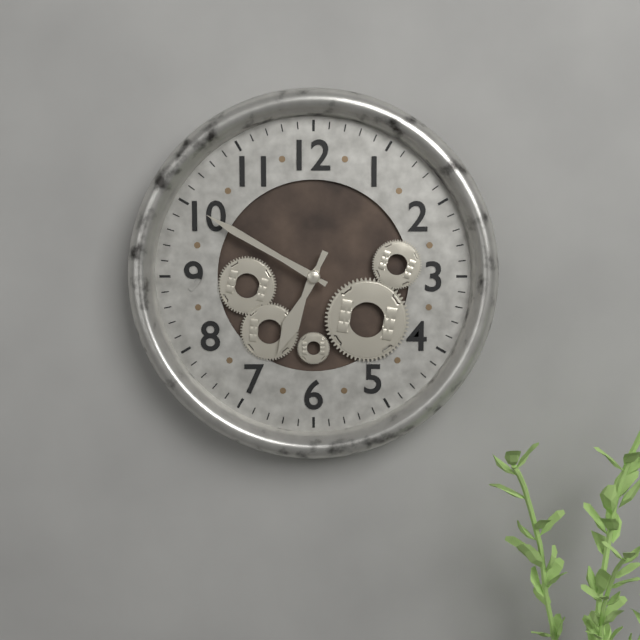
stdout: 6 h 50 min
